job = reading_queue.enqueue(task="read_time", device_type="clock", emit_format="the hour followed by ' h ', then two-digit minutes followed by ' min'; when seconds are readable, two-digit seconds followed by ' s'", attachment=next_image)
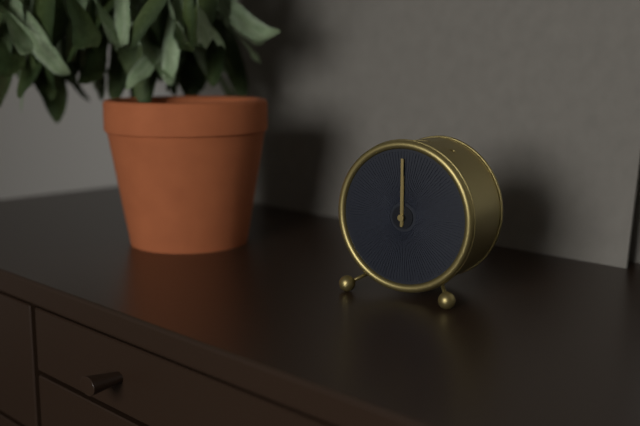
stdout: 12 h 00 min
